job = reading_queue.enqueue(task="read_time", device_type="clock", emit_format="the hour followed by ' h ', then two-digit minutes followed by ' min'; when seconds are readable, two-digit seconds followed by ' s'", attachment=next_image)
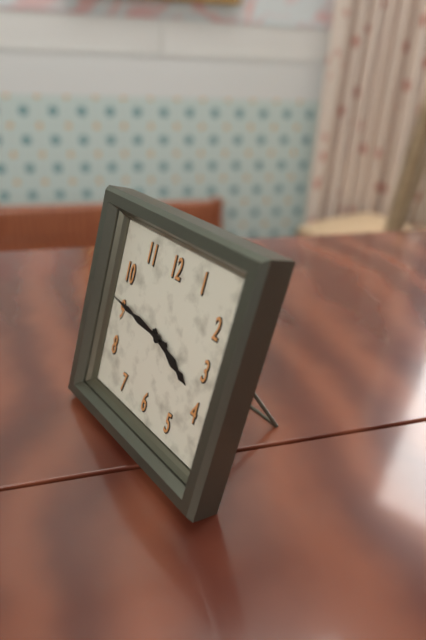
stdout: 3 h 46 min
